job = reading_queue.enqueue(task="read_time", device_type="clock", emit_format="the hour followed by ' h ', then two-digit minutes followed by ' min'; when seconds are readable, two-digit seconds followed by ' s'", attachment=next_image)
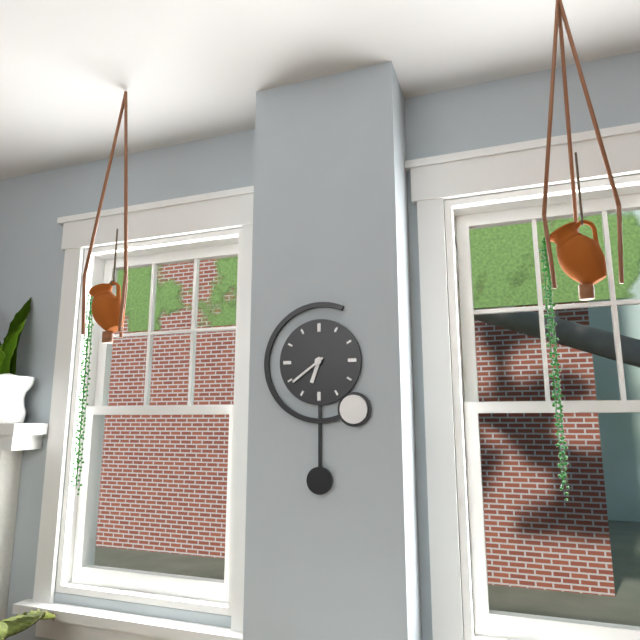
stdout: 6 h 39 min
